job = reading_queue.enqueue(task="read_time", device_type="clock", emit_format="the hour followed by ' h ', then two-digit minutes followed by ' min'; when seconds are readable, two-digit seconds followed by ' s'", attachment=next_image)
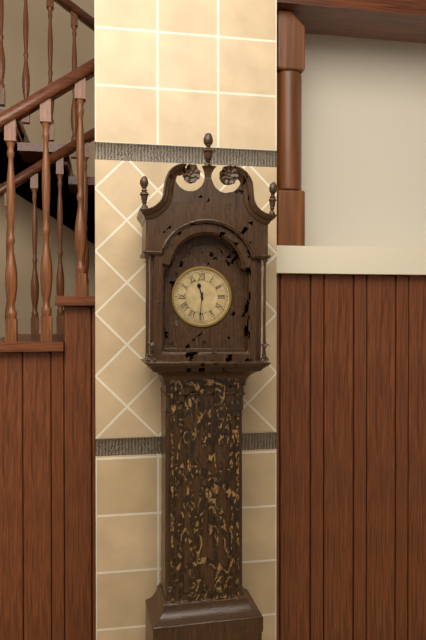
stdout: 11 h 31 min
